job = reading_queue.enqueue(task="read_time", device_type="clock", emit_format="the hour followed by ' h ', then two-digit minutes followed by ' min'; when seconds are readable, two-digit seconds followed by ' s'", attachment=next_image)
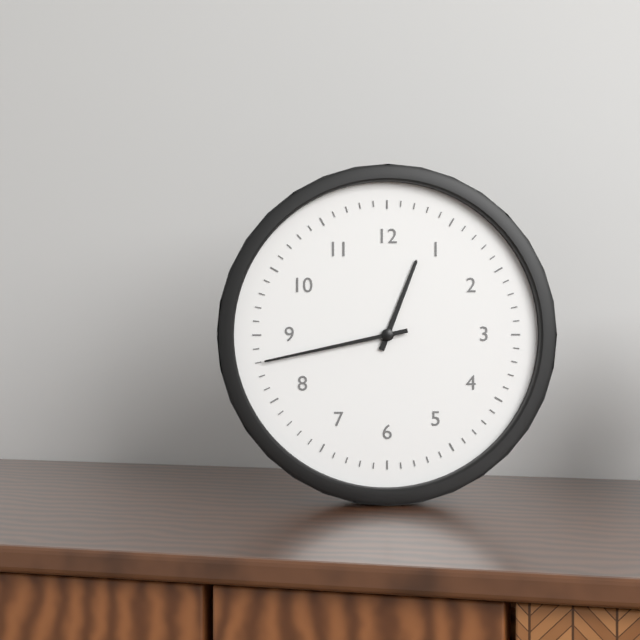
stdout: 12 h 43 min
